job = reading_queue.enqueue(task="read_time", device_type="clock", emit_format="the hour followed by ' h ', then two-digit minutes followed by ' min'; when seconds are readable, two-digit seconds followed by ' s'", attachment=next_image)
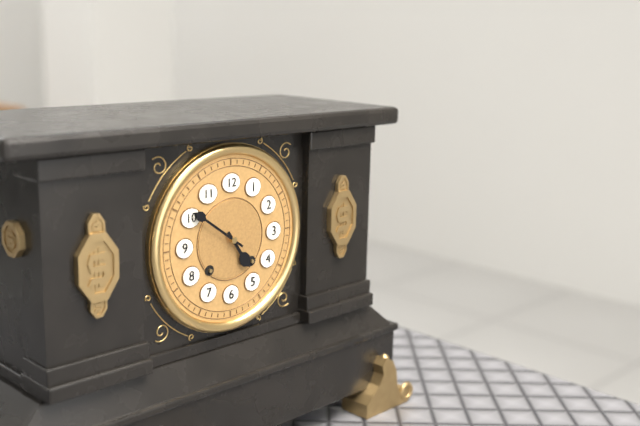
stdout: 4 h 51 min
